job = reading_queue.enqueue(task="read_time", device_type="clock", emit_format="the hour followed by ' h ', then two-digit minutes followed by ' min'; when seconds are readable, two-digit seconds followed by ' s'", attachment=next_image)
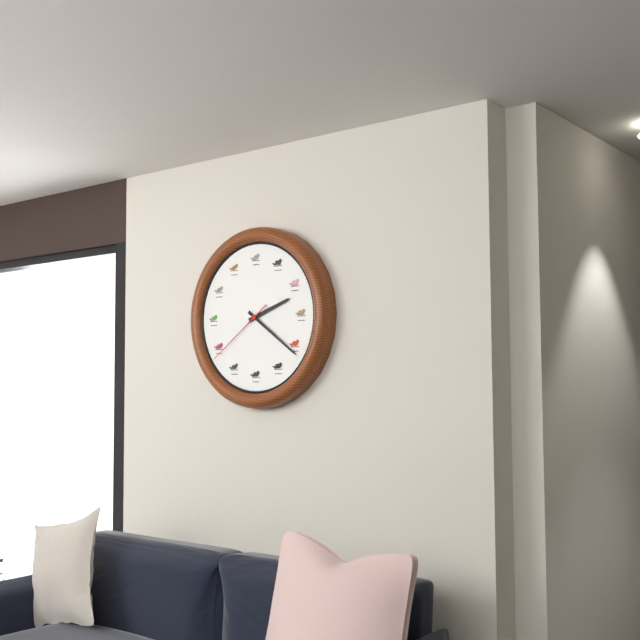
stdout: 2 h 21 min 39 s
